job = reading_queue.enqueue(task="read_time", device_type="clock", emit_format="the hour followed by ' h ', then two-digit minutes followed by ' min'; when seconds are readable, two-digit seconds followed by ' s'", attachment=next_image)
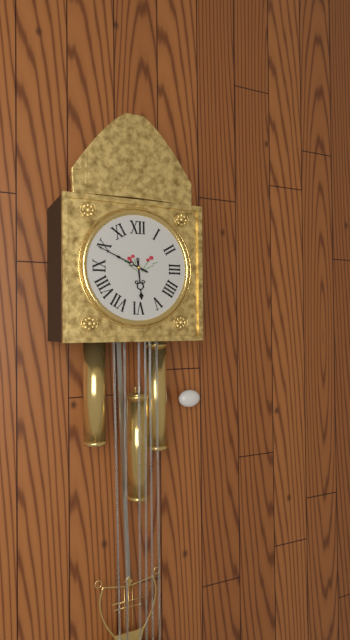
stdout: 5 h 49 min
